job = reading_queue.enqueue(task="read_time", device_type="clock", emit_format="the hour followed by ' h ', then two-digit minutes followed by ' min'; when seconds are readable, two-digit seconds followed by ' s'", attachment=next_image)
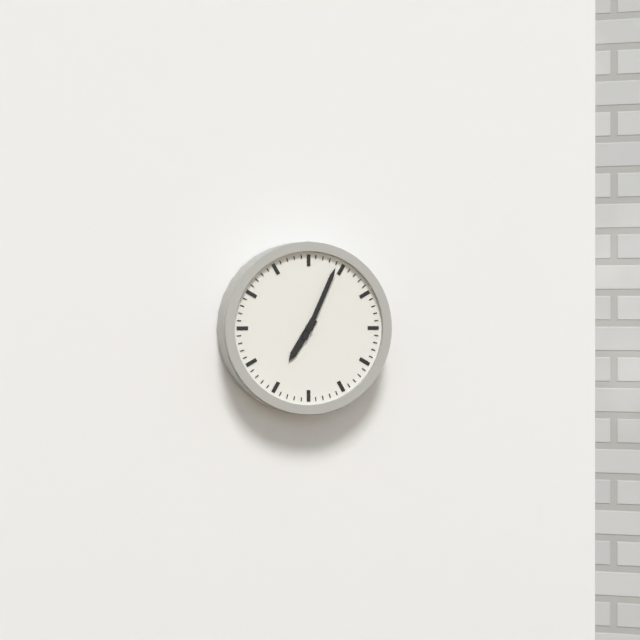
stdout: 7 h 04 min
